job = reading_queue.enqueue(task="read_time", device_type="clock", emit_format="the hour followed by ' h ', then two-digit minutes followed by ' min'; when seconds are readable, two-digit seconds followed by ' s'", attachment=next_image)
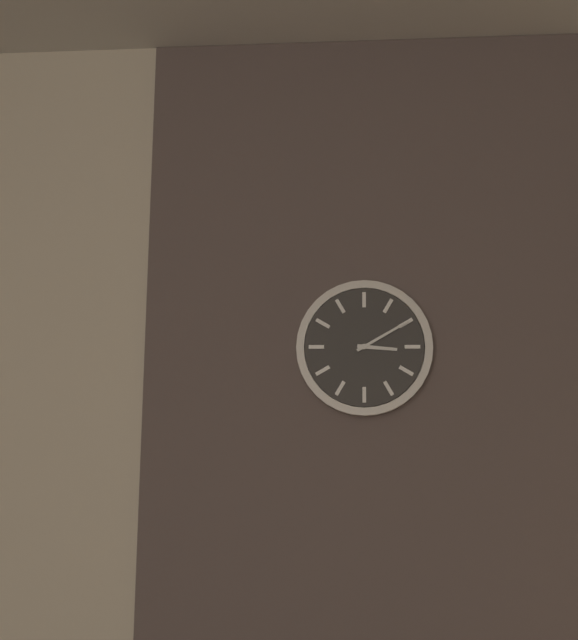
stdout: 3 h 10 min
